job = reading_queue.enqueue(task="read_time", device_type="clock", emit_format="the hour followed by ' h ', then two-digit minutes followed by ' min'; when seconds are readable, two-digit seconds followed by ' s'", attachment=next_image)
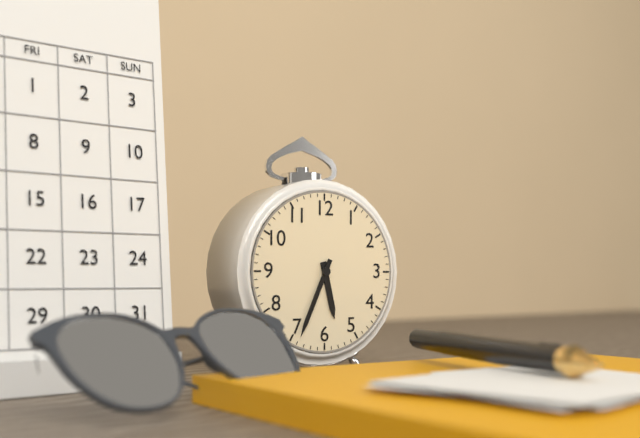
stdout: 5 h 34 min
